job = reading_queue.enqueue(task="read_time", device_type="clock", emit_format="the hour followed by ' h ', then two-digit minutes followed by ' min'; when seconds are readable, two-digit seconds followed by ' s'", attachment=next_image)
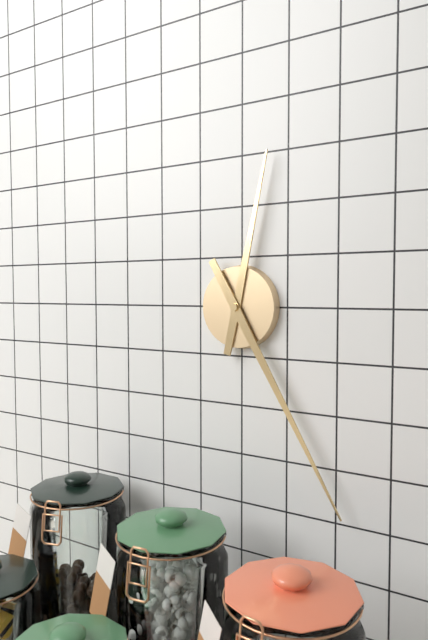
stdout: 12 h 25 min
